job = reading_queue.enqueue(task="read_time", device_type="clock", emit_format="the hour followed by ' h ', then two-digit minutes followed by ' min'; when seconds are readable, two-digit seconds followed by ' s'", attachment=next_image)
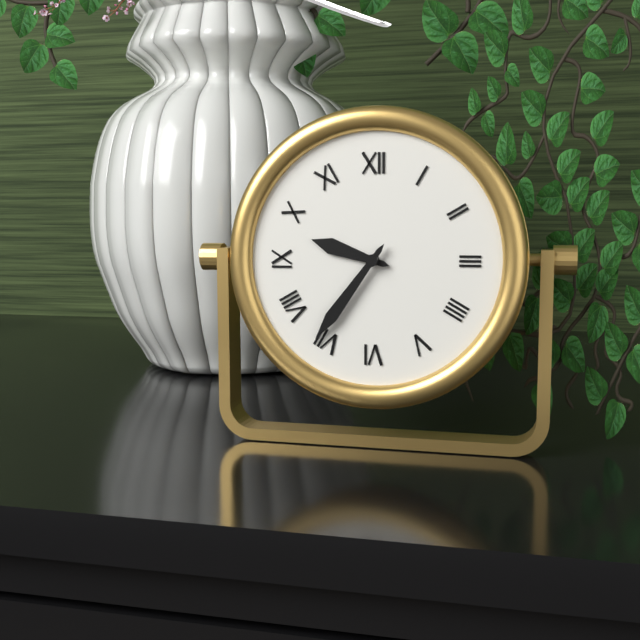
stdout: 9 h 36 min
